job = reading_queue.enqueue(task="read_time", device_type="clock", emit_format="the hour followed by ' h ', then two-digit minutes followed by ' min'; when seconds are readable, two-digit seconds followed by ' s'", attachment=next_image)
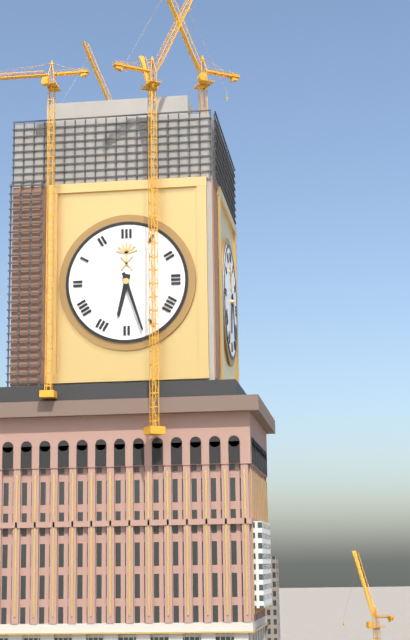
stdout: 6 h 27 min
